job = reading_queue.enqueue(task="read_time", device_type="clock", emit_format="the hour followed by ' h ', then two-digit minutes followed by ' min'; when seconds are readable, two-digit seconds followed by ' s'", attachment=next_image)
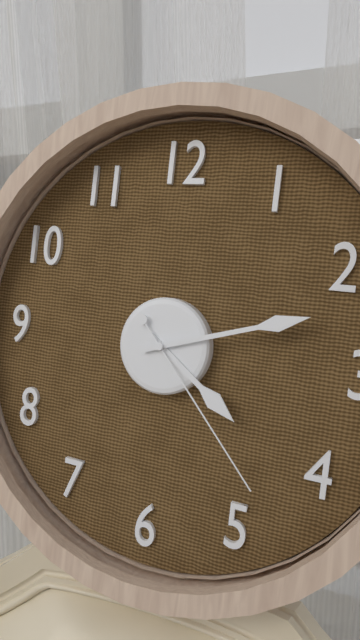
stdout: 4 h 12 min 23 s
